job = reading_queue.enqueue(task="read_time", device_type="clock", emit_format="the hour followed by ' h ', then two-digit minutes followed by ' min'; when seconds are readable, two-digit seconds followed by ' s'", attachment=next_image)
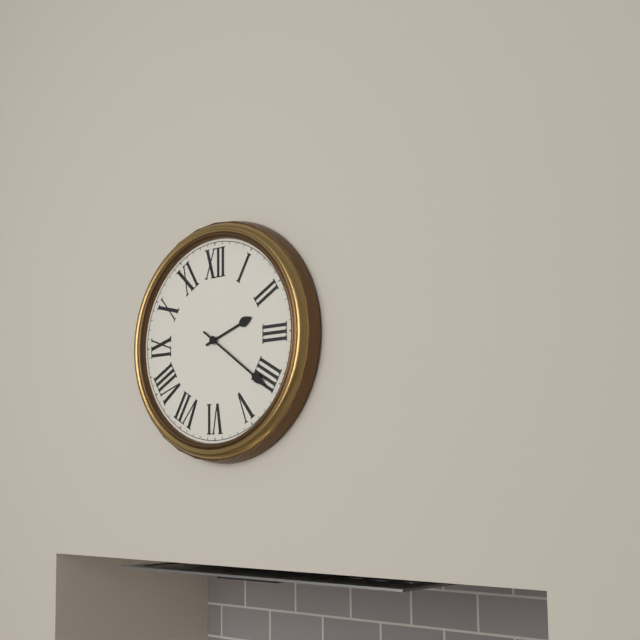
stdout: 2 h 21 min
